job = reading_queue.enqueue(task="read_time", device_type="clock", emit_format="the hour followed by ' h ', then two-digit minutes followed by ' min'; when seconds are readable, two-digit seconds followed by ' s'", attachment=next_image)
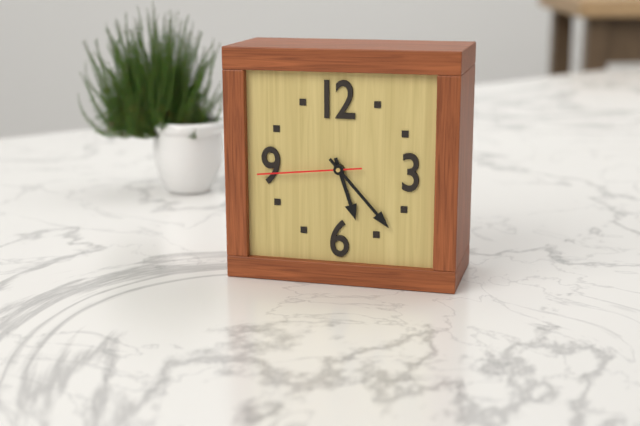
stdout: 5 h 23 min 44 s
